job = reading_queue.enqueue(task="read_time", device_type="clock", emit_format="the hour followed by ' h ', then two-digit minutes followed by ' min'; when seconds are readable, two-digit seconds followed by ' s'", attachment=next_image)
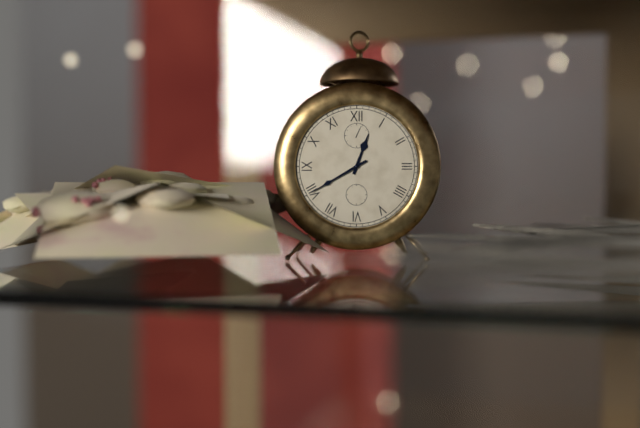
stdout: 12 h 40 min
